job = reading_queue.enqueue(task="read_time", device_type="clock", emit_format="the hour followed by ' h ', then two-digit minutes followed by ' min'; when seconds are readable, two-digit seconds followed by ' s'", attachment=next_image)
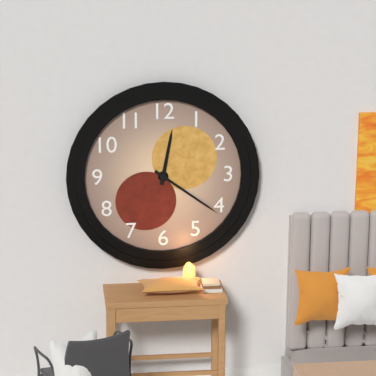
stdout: 12 h 21 min
